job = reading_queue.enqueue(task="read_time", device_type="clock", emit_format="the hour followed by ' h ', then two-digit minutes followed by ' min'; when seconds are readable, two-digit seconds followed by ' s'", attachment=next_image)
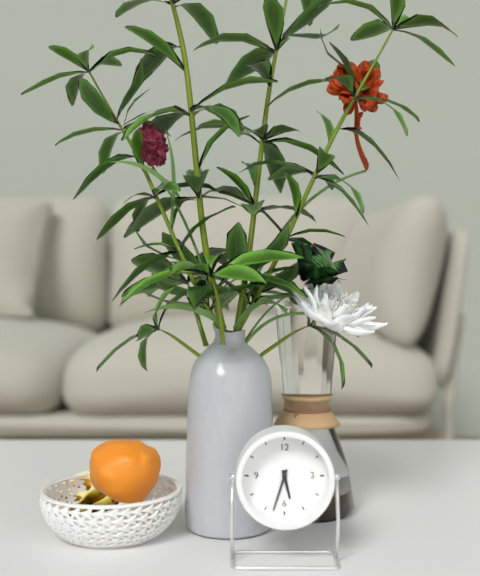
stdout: 5 h 33 min
